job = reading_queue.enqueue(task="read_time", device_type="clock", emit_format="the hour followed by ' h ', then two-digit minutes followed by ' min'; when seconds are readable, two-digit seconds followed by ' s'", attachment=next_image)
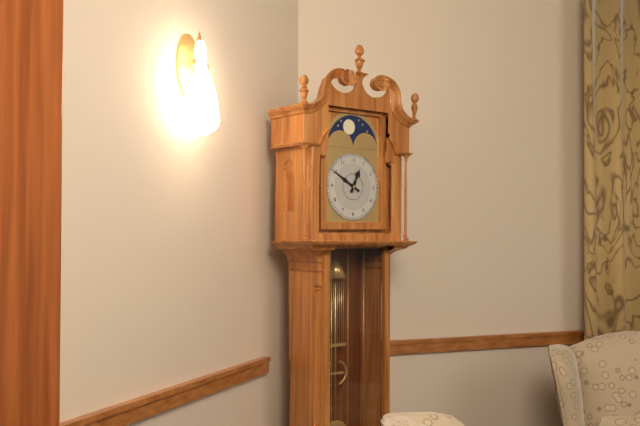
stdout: 12 h 50 min
